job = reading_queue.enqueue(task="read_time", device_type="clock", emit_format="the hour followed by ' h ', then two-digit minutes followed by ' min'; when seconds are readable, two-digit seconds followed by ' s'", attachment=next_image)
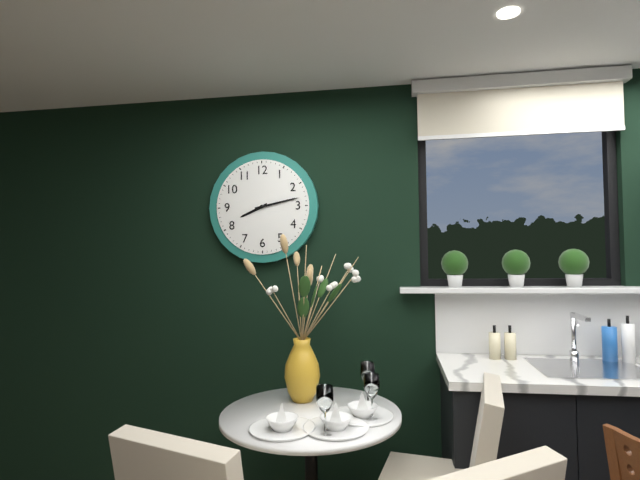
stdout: 8 h 13 min
